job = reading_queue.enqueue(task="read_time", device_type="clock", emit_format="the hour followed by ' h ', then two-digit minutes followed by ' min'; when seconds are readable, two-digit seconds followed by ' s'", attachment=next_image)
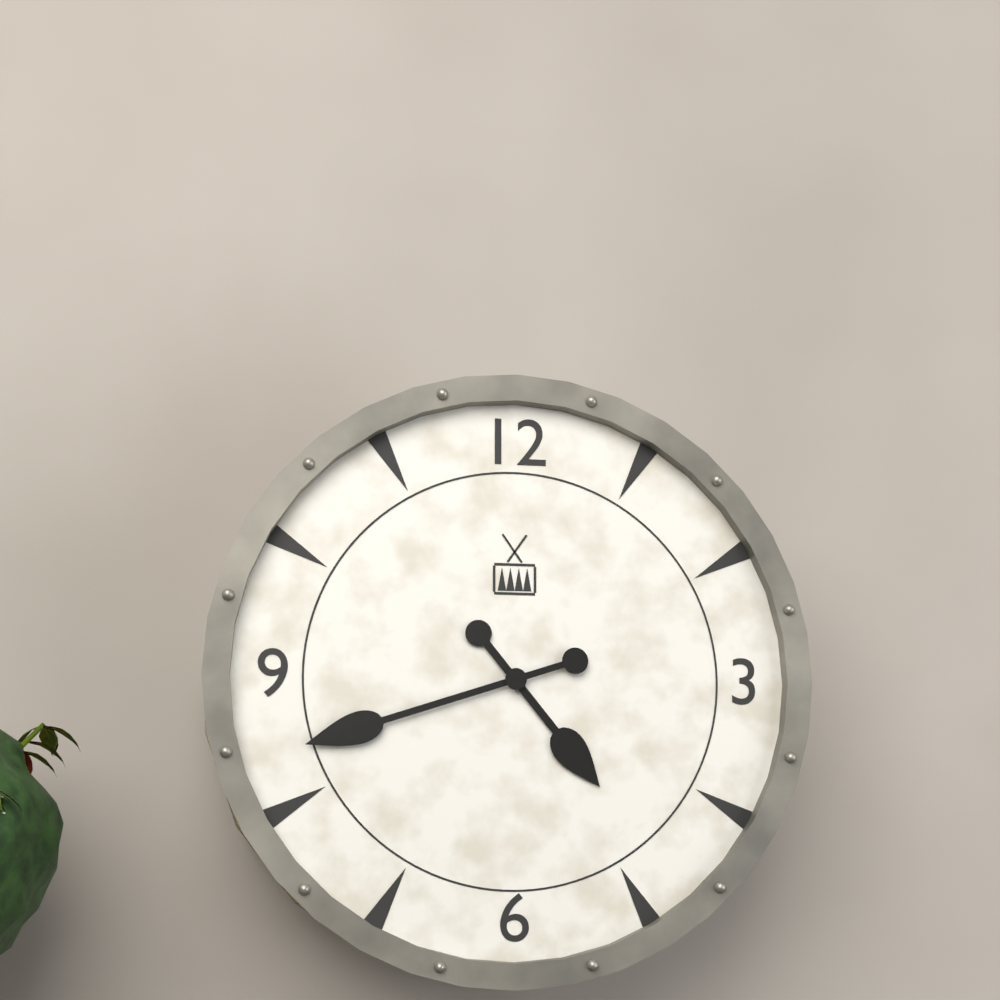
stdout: 4 h 42 min
